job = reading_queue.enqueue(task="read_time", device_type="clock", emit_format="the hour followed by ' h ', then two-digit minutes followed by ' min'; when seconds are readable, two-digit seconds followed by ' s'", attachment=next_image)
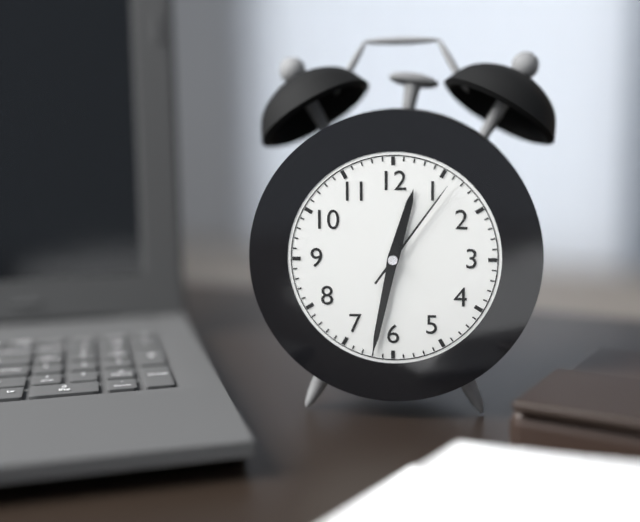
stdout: 12 h 32 min 06 s
